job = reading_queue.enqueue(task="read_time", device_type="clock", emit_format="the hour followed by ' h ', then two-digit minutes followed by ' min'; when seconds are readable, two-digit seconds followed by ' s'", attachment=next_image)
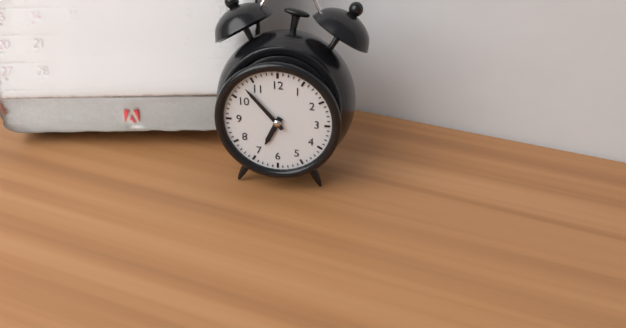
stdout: 6 h 53 min
